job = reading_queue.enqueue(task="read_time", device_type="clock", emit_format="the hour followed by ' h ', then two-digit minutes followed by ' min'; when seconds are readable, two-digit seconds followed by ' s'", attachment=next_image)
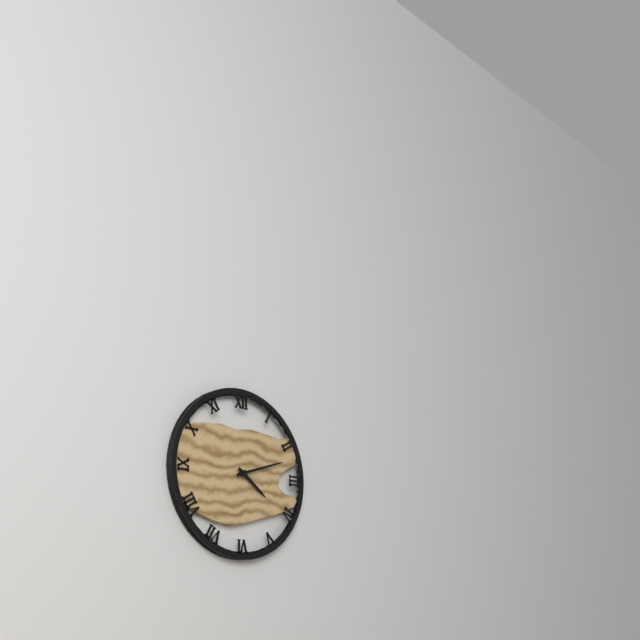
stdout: 4 h 12 min
